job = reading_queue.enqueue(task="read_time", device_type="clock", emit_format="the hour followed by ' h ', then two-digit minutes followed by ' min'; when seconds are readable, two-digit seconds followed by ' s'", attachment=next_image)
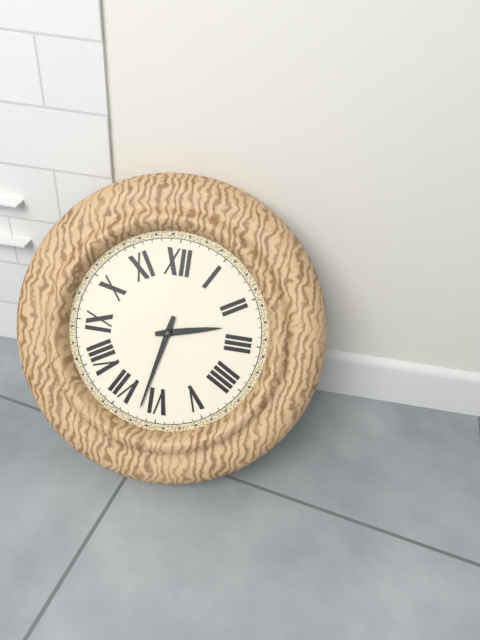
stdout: 2 h 32 min
